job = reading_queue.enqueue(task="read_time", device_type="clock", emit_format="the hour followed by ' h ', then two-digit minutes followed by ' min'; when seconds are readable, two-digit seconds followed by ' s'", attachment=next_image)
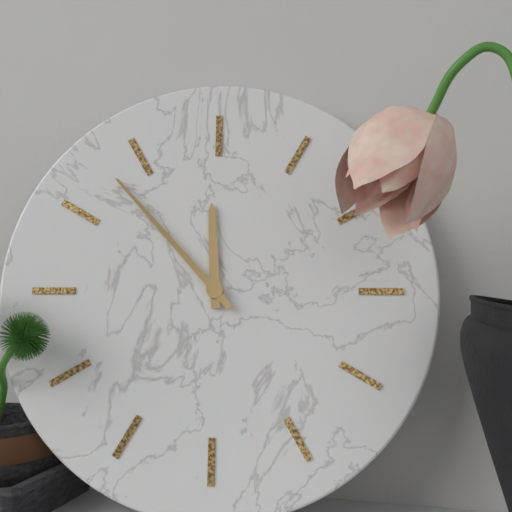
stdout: 11 h 53 min
